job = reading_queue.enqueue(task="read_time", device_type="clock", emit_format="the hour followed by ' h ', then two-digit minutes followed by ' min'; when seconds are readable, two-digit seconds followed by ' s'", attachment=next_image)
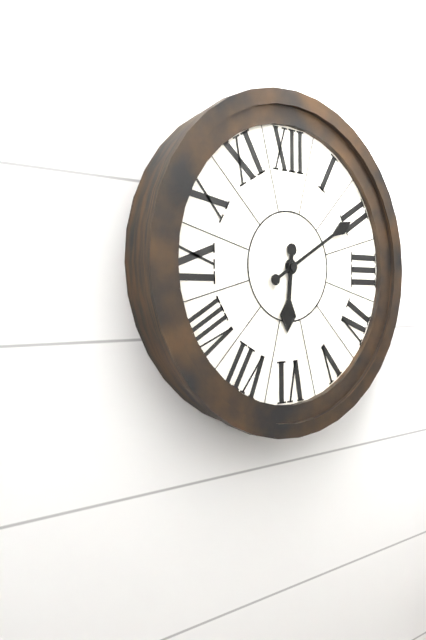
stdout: 6 h 10 min
